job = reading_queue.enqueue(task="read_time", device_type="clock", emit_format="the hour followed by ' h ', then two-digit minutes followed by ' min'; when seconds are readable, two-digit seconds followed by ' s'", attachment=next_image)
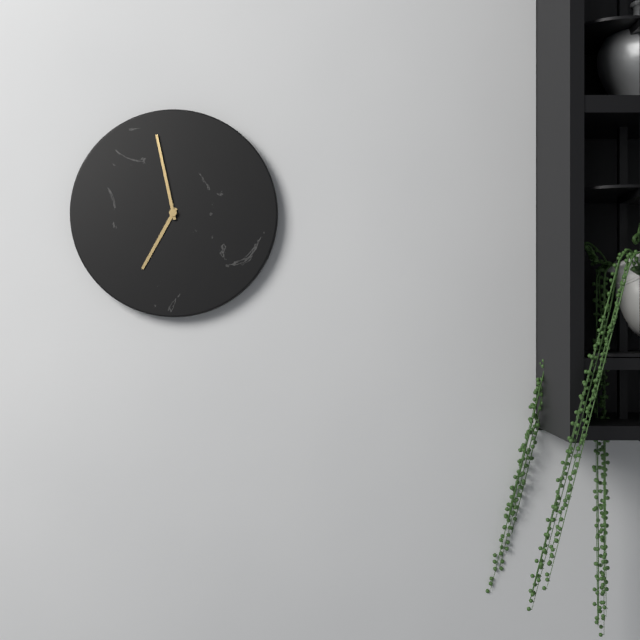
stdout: 6 h 58 min
